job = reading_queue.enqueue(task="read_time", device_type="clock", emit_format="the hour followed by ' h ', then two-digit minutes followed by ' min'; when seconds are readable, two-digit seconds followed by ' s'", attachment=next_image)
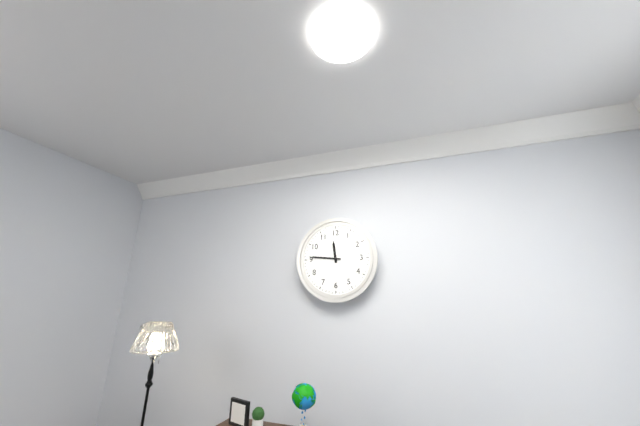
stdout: 11 h 46 min
